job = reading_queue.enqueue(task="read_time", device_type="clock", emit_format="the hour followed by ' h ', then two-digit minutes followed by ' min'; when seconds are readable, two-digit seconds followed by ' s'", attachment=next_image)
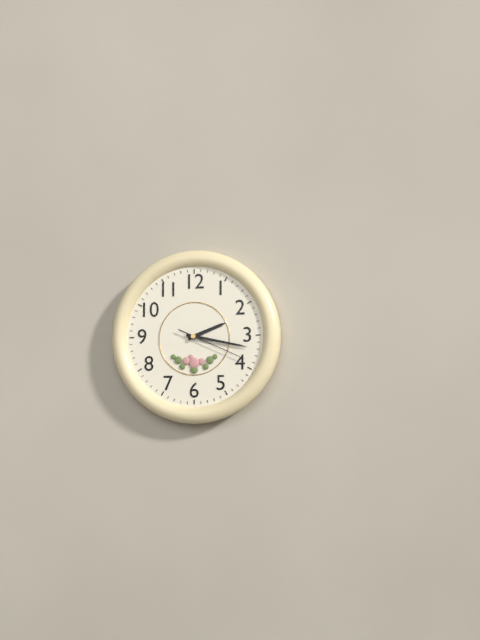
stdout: 2 h 17 min 19 s
